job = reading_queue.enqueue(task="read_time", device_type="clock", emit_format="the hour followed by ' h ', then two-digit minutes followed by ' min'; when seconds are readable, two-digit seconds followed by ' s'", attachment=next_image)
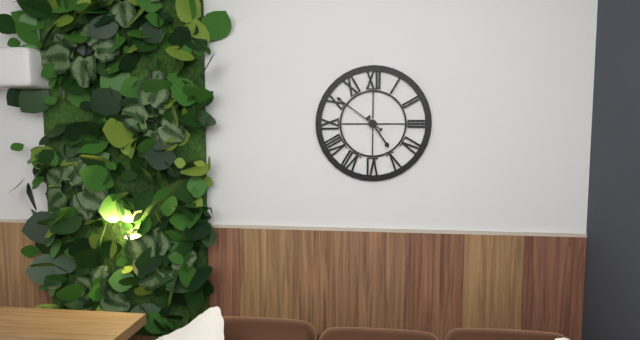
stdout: 4 h 51 min
